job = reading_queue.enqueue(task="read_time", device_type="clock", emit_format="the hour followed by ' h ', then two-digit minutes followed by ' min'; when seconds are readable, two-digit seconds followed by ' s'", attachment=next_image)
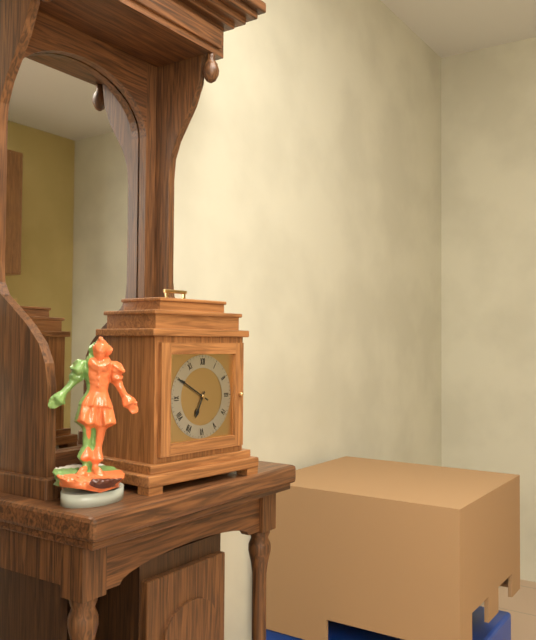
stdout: 6 h 50 min
